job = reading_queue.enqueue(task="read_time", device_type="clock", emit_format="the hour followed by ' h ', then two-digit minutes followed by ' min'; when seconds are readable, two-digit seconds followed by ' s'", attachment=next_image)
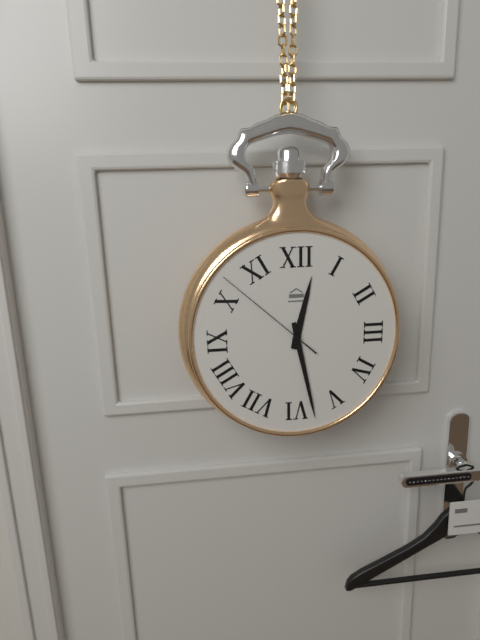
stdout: 12 h 28 min 52 s
